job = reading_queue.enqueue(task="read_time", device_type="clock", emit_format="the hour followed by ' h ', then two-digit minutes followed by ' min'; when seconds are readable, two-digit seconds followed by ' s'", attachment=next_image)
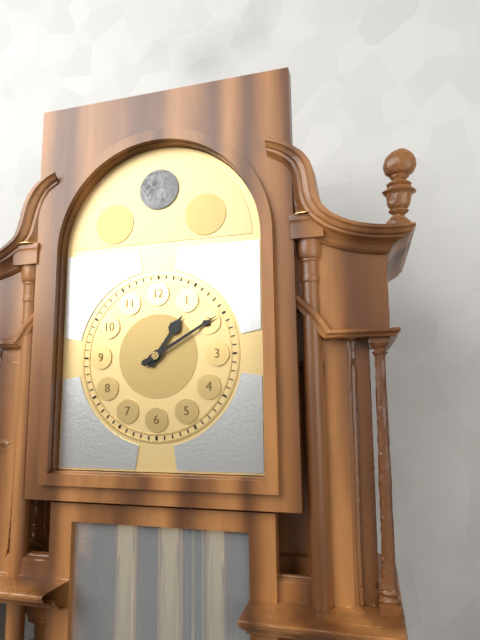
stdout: 1 h 10 min
